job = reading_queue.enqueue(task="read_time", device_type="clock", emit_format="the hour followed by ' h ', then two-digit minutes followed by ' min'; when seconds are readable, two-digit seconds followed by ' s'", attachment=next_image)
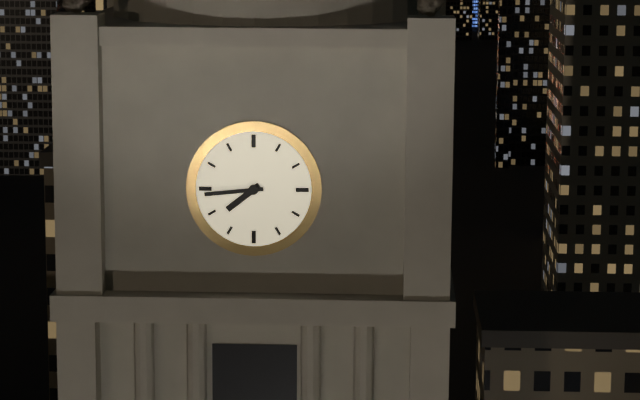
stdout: 7 h 44 min
